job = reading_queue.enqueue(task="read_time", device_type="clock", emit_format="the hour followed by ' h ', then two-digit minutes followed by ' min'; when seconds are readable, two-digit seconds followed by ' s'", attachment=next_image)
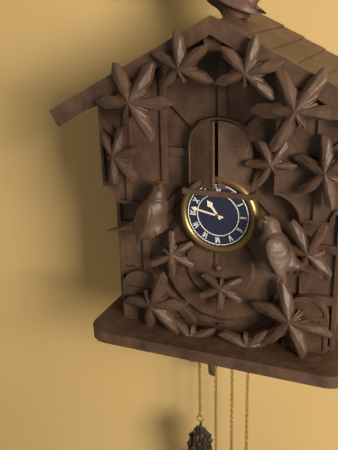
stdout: 10 h 47 min
